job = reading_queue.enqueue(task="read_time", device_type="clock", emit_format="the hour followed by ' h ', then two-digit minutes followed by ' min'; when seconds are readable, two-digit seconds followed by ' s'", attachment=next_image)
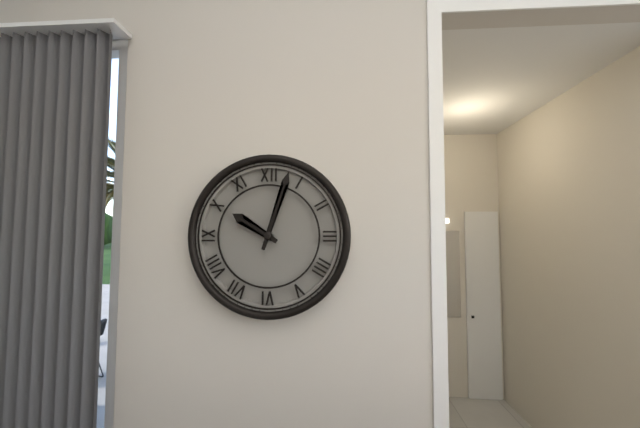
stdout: 10 h 03 min
